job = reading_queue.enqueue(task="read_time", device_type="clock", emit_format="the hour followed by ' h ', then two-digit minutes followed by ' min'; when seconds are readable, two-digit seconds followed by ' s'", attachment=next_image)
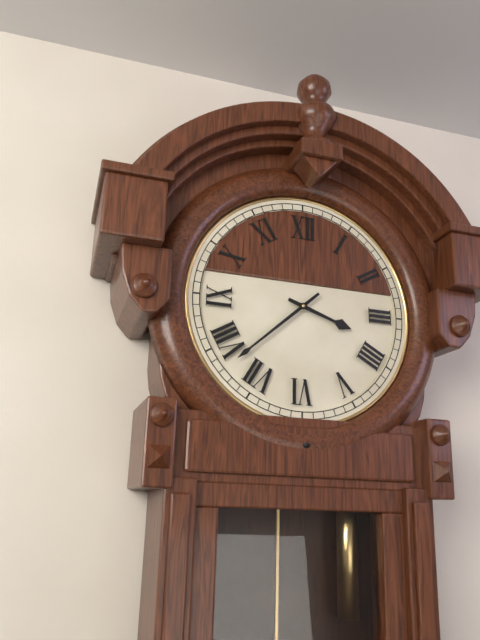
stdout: 3 h 38 min
